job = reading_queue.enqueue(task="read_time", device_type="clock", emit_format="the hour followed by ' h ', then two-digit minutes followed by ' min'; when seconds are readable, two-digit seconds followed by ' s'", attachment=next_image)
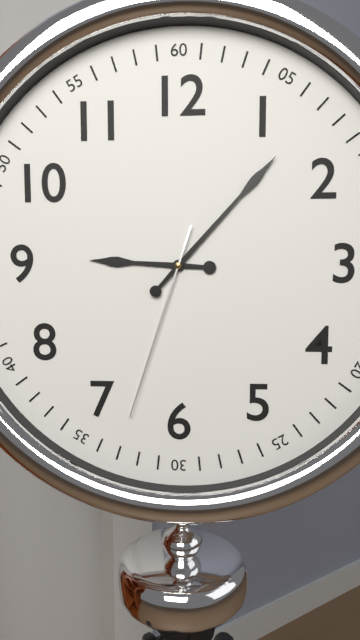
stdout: 9 h 07 min 33 s
